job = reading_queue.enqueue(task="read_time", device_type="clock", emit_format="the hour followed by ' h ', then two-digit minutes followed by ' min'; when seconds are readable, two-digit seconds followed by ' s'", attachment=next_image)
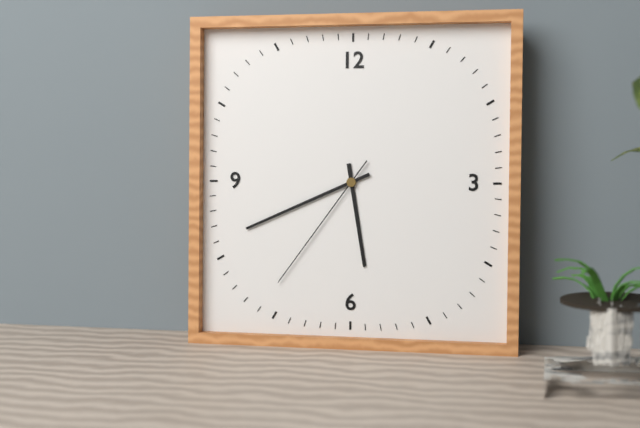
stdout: 5 h 41 min 36 s
